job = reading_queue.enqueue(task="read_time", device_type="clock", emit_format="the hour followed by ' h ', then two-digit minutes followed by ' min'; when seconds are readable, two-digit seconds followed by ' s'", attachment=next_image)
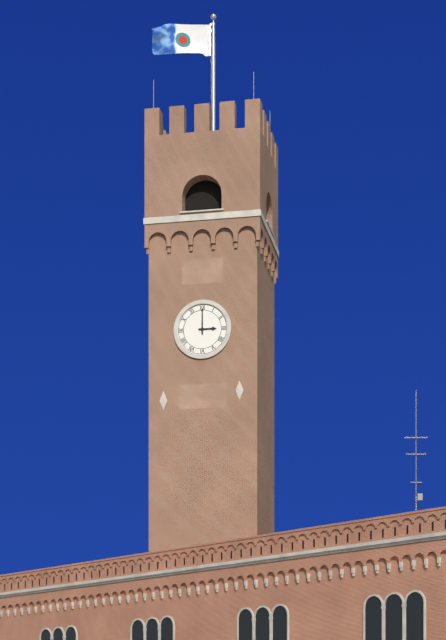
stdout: 3 h 00 min
